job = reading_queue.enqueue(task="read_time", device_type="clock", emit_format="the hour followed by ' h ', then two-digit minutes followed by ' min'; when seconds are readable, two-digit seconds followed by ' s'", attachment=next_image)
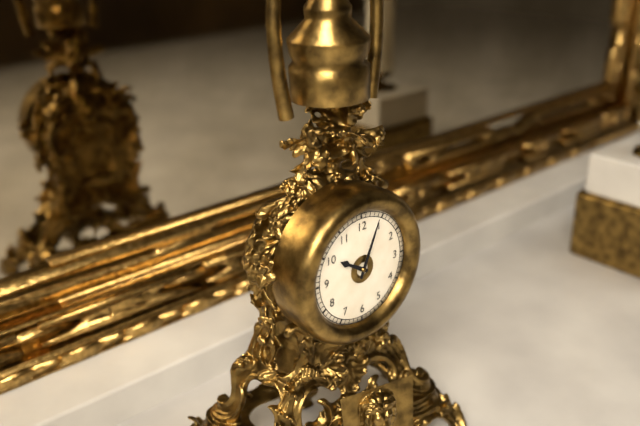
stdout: 10 h 04 min
